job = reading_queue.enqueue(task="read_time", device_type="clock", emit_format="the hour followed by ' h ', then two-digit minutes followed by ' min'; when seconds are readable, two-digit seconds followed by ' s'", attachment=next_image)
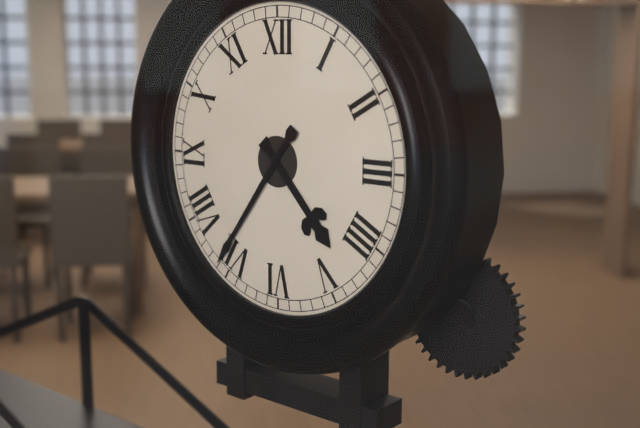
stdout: 4 h 36 min
